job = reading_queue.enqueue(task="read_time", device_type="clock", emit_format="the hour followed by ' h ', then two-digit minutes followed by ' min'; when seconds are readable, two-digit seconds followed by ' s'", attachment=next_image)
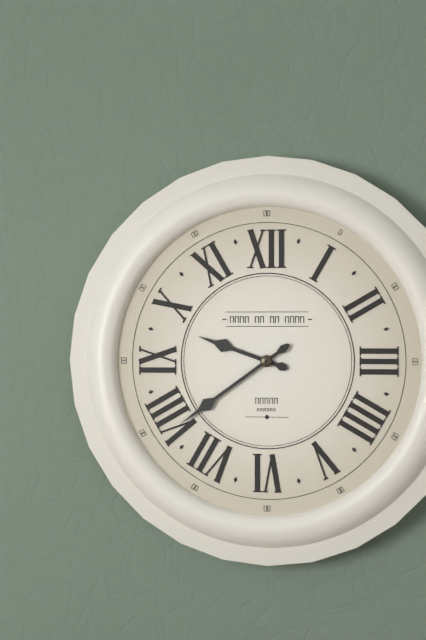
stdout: 9 h 39 min
